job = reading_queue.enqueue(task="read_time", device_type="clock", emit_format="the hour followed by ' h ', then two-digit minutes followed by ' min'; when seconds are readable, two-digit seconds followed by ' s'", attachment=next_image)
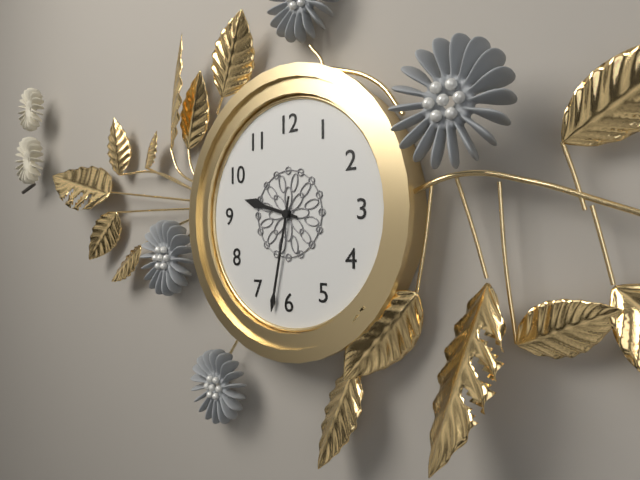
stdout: 9 h 32 min
